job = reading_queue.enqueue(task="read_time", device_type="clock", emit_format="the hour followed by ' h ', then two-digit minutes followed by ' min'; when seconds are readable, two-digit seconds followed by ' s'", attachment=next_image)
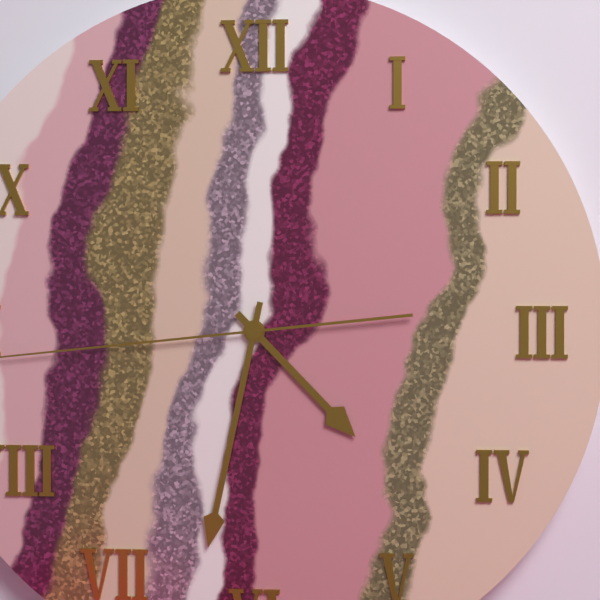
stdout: 4 h 32 min
